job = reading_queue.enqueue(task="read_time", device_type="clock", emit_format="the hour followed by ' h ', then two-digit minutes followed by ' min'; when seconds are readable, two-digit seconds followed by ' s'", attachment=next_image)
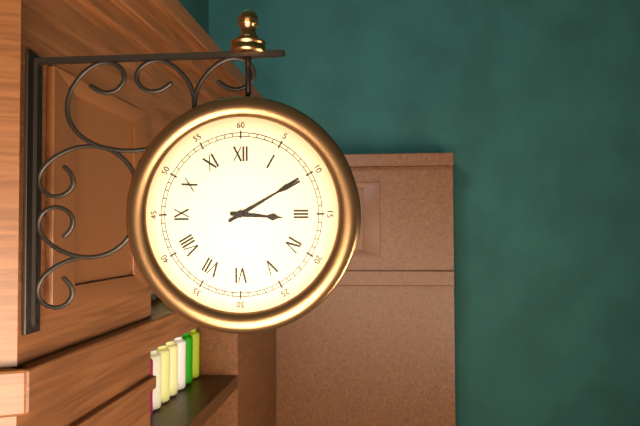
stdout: 3 h 10 min
